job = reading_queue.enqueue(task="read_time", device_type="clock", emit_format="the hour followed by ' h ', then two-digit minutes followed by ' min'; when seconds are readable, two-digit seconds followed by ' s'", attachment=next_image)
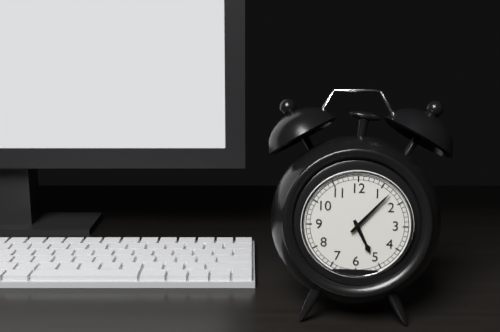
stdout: 5 h 07 min
